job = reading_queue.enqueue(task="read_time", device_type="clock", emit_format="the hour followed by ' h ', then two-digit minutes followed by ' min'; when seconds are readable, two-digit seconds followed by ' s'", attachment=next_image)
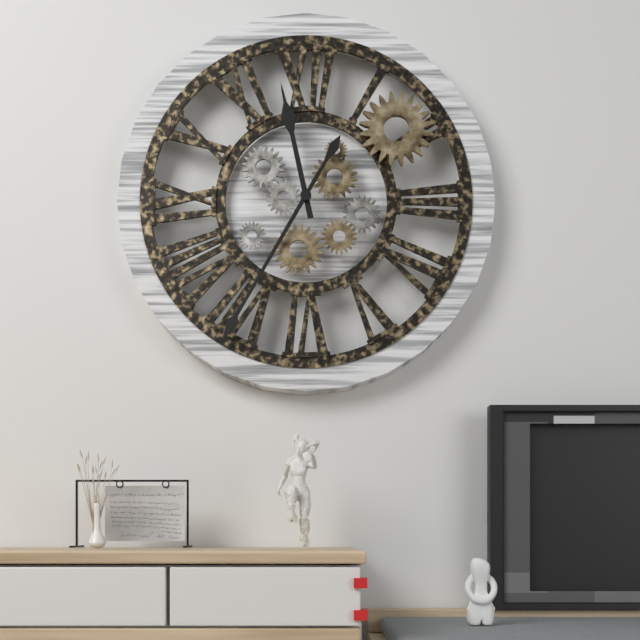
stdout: 11 h 35 min
